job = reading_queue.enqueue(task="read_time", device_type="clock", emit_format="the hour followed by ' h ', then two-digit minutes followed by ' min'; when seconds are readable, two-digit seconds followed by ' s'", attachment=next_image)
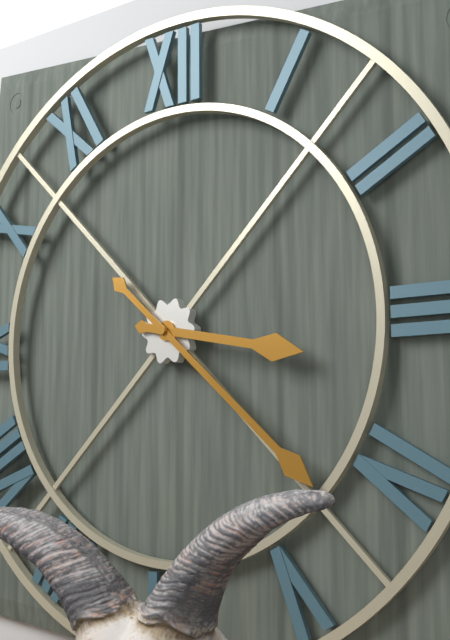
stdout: 3 h 22 min
